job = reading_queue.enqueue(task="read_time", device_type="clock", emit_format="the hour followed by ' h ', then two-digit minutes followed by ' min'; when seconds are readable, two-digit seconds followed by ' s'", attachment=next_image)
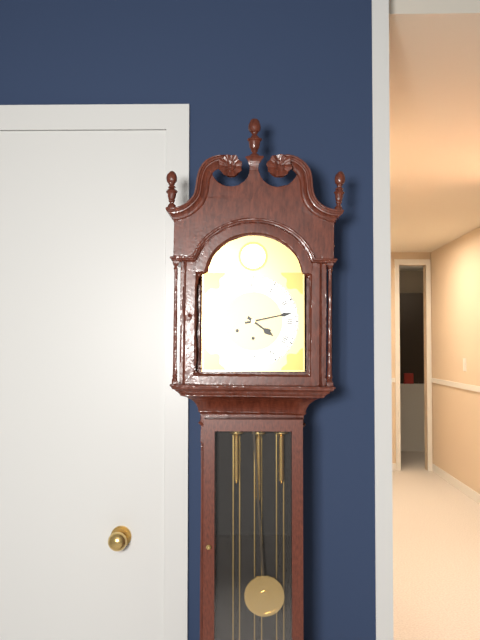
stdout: 4 h 13 min
